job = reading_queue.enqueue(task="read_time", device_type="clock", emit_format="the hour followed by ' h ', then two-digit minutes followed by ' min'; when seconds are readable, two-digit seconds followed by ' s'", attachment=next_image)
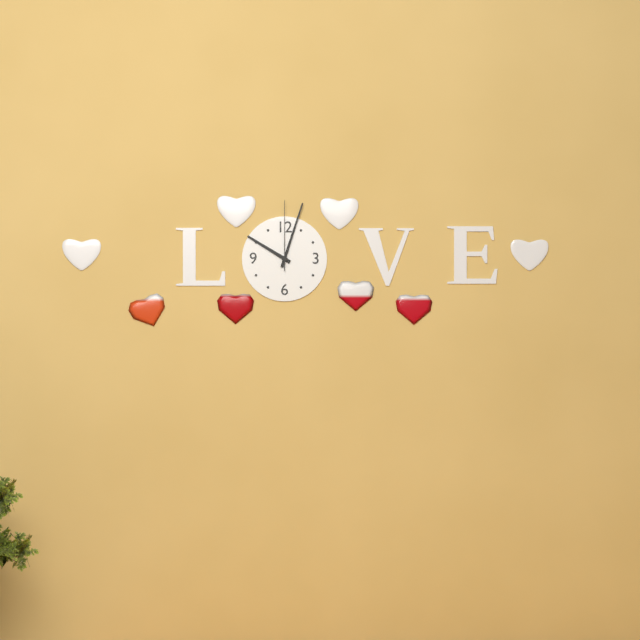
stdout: 10 h 03 min 00 s
